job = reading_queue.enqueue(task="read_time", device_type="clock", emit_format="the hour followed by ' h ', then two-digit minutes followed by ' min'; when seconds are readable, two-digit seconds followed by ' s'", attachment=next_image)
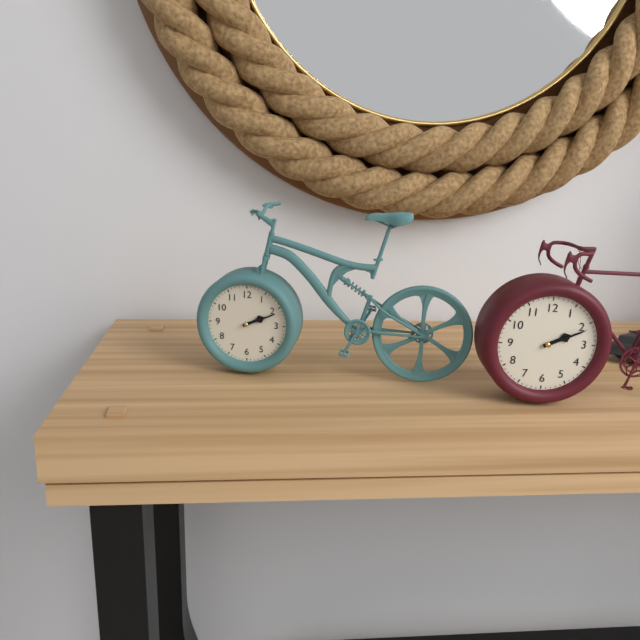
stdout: 2 h 11 min
